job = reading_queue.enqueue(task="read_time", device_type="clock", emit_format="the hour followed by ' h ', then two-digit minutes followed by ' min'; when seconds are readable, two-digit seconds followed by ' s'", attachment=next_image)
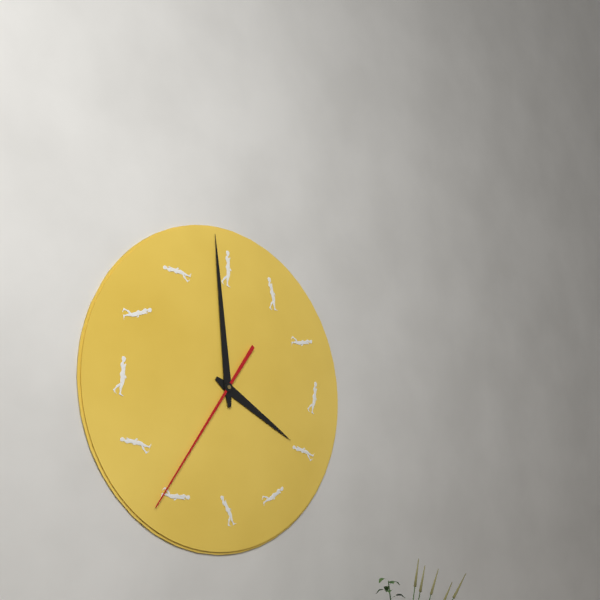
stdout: 3 h 59 min 36 s
